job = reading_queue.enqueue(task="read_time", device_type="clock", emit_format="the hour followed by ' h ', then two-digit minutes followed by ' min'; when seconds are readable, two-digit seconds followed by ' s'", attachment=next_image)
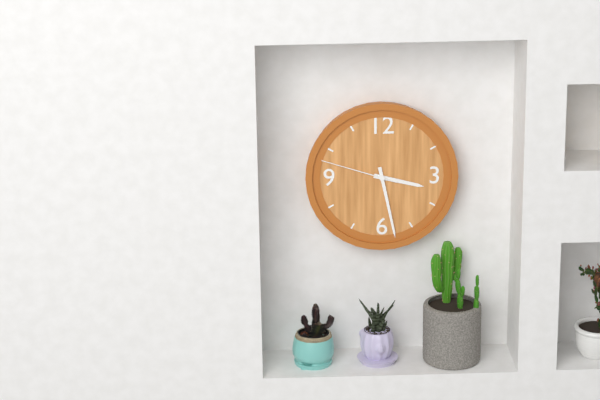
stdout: 3 h 28 min 48 s
